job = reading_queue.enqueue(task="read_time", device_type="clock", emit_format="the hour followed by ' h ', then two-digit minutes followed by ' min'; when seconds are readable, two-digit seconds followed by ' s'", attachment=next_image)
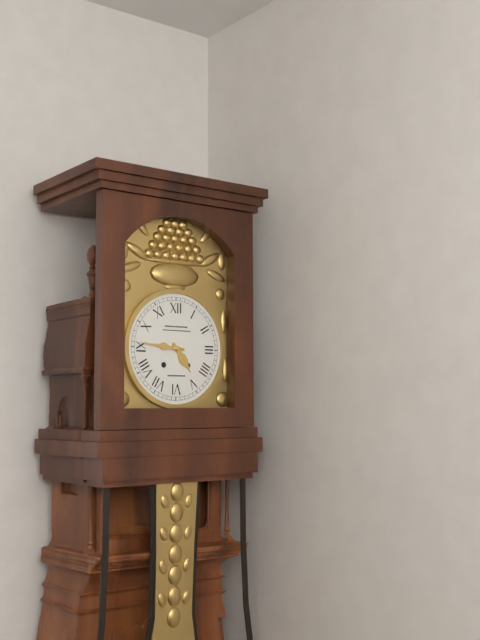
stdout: 4 h 46 min
